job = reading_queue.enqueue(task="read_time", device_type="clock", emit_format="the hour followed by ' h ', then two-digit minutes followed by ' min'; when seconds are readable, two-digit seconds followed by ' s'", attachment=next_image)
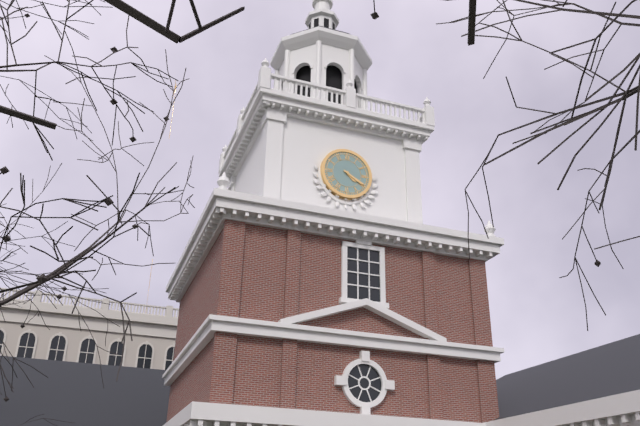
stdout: 4 h 20 min
